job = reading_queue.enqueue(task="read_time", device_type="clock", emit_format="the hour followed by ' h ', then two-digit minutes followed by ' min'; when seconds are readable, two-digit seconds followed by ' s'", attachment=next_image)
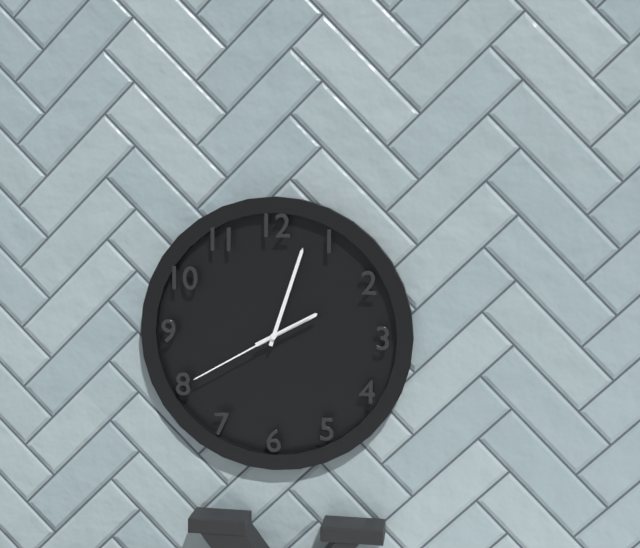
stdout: 2 h 03 min 40 s
